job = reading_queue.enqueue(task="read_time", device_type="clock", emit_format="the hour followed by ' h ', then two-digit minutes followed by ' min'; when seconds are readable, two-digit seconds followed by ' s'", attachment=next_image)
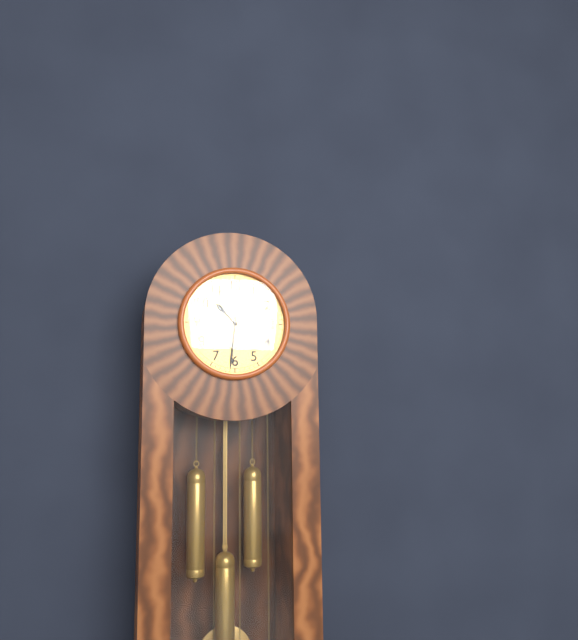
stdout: 10 h 31 min
